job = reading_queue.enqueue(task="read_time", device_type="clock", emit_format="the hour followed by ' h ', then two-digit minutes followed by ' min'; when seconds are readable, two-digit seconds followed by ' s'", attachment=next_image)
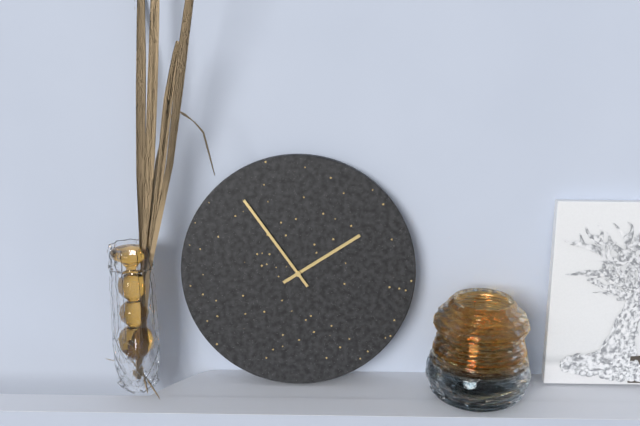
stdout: 1 h 54 min
